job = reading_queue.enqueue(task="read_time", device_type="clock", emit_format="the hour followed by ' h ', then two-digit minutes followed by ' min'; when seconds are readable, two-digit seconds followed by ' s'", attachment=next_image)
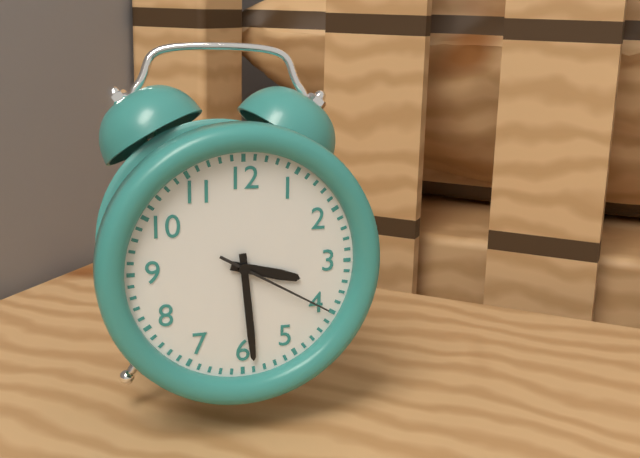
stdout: 3 h 29 min 20 s
